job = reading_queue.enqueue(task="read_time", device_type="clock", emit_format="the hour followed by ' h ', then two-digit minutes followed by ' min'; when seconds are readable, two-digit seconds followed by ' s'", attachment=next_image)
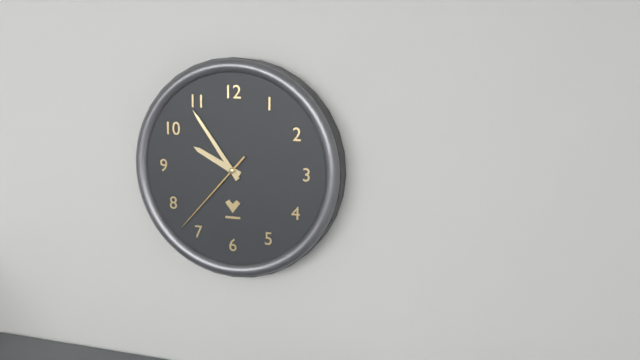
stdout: 9 h 54 min 37 s
